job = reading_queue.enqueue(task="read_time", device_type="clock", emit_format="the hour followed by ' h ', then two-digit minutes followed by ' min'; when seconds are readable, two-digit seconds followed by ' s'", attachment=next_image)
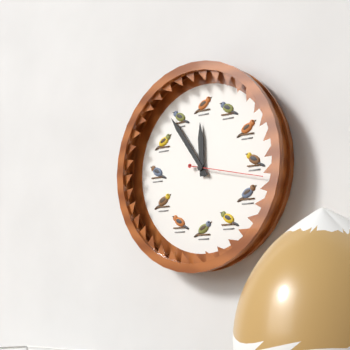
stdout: 11 h 54 min 17 s
